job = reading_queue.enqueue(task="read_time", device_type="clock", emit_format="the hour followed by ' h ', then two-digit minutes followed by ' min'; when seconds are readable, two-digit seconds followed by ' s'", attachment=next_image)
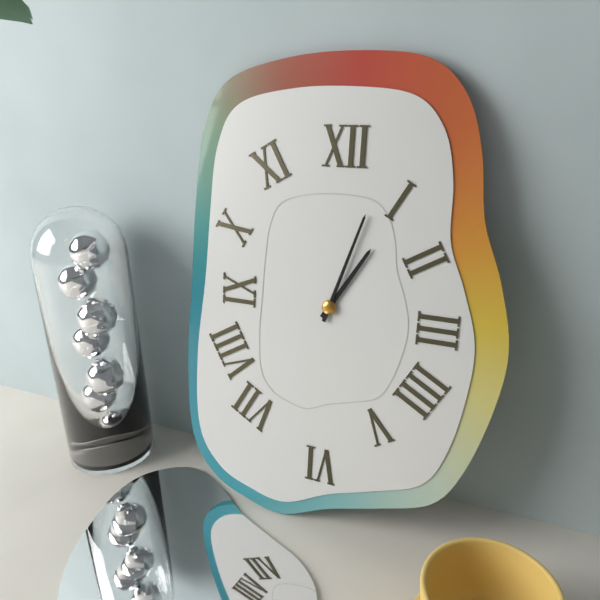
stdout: 1 h 03 min
